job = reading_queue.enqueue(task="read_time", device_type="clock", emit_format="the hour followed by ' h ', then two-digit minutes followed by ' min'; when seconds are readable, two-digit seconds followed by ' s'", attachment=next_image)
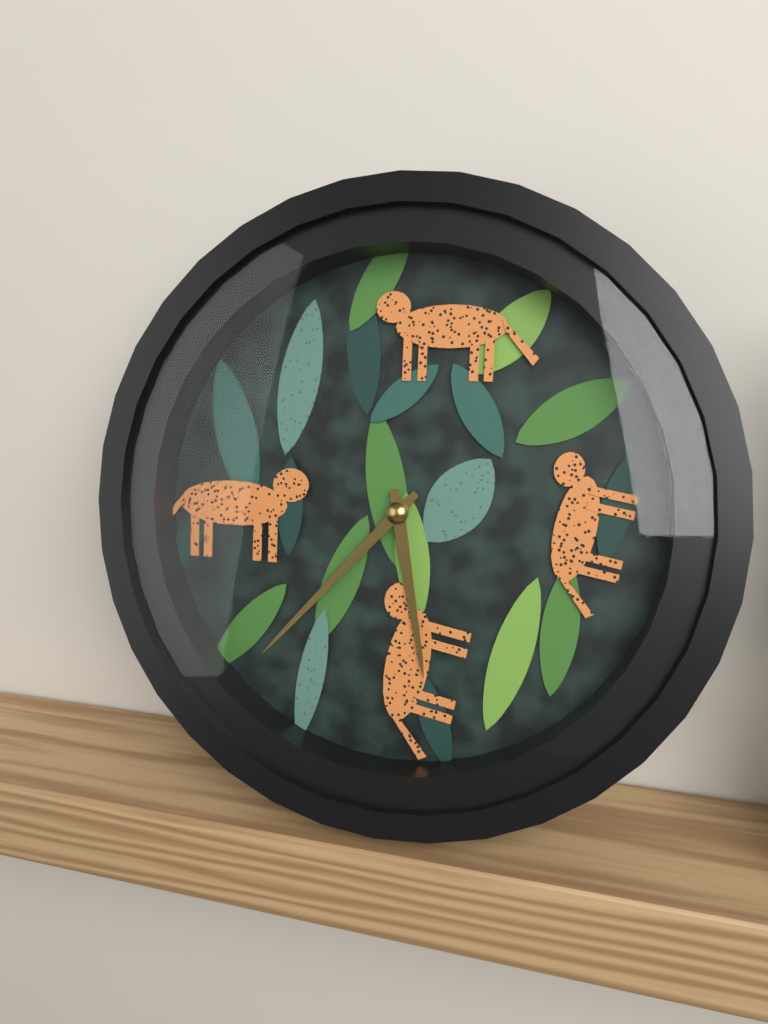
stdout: 5 h 37 min
